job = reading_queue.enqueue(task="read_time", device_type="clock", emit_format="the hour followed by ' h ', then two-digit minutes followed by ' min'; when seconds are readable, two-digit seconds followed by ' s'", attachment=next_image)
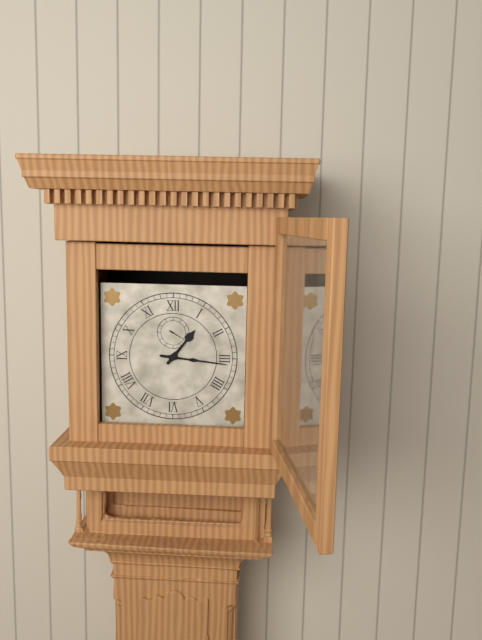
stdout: 1 h 16 min
